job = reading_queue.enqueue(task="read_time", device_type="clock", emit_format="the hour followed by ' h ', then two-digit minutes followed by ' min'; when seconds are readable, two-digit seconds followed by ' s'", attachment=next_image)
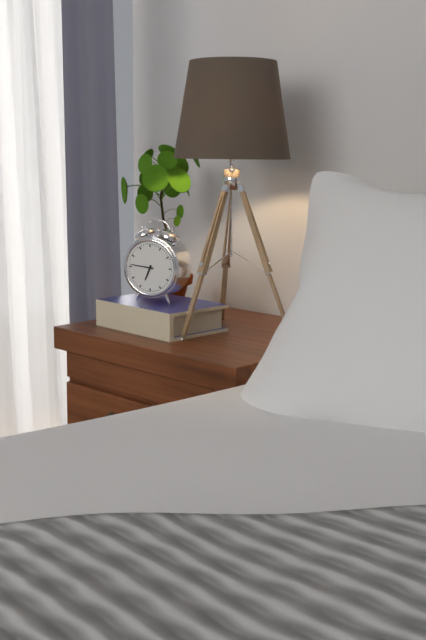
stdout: 6 h 46 min
